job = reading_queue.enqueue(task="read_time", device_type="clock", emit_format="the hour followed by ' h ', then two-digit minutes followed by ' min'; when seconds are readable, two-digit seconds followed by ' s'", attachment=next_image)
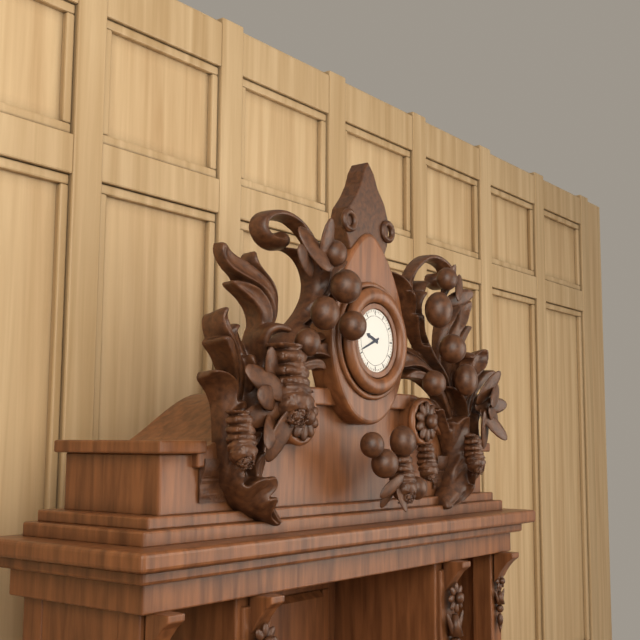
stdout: 9 h 41 min
